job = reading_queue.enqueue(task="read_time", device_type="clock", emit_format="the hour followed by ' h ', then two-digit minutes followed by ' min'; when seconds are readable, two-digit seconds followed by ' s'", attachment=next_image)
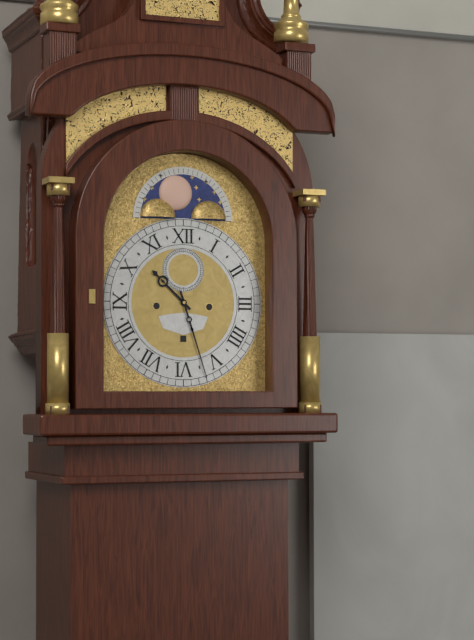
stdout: 10 h 27 min
